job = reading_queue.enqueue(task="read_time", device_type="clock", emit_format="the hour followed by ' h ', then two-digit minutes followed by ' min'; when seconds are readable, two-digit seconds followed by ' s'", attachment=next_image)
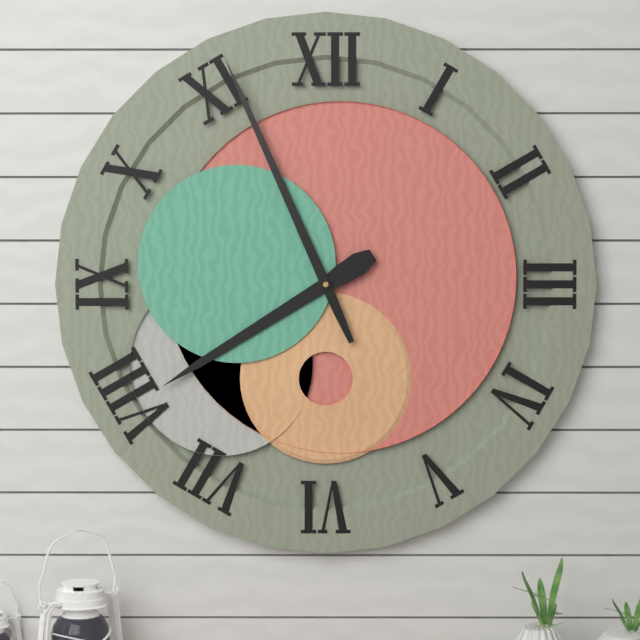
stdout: 7 h 56 min
